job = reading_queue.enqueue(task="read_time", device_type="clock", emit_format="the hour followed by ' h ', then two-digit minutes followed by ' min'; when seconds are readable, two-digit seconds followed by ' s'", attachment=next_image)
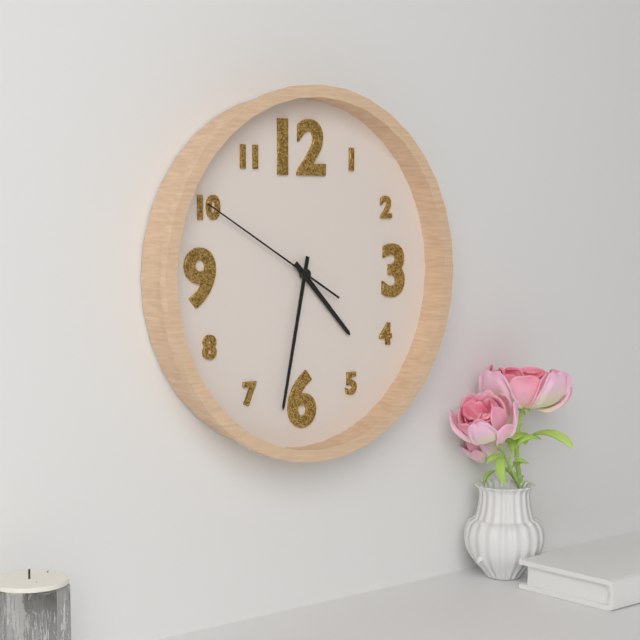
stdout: 4 h 32 min 50 s
